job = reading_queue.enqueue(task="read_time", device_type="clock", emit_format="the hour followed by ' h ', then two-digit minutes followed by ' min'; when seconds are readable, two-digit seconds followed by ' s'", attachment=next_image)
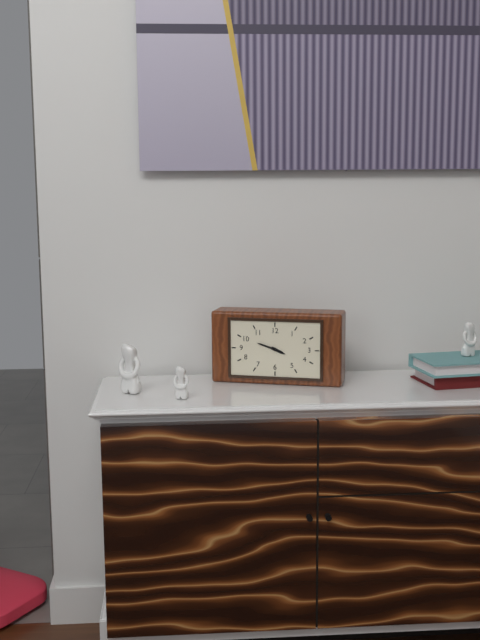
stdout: 3 h 48 min
